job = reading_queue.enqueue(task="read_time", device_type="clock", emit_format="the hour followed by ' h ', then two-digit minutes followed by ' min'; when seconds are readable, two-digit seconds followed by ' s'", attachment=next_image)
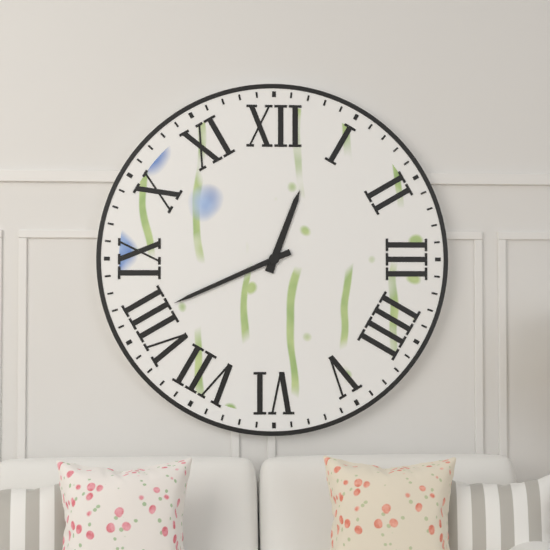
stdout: 12 h 41 min
